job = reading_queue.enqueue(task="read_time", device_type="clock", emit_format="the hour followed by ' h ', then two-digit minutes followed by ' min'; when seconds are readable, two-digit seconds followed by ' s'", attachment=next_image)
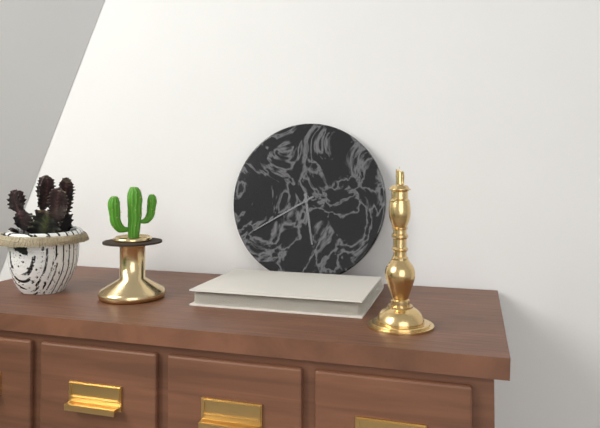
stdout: 5 h 40 min
